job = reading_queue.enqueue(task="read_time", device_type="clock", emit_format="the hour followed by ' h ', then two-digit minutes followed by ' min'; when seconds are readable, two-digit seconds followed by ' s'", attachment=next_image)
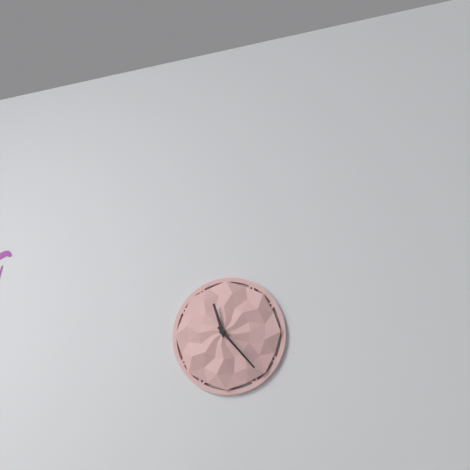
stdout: 11 h 23 min
